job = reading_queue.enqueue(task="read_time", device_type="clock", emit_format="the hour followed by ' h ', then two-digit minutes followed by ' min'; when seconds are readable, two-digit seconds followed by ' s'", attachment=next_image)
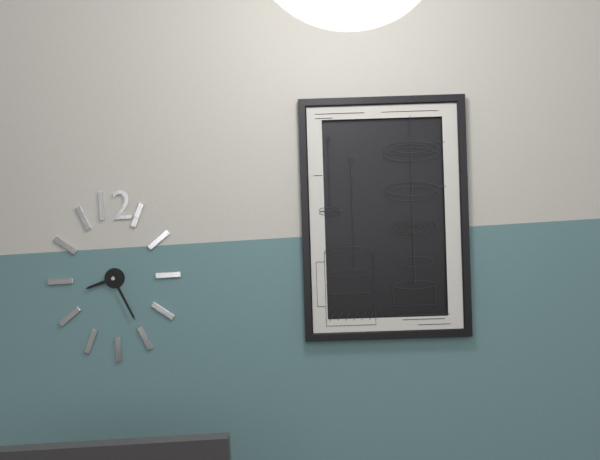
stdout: 8 h 26 min
